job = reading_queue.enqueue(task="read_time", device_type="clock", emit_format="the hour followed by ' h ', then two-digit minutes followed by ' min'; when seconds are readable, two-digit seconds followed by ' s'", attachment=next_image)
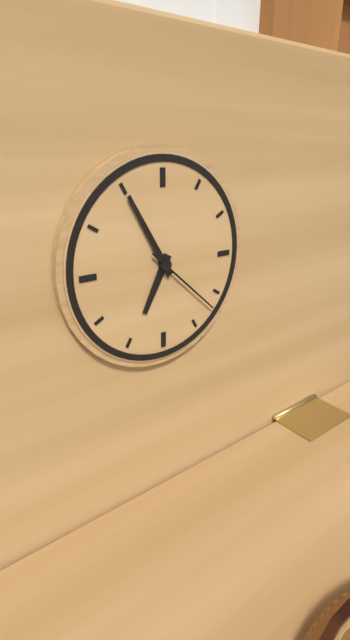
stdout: 6 h 55 min 22 s
